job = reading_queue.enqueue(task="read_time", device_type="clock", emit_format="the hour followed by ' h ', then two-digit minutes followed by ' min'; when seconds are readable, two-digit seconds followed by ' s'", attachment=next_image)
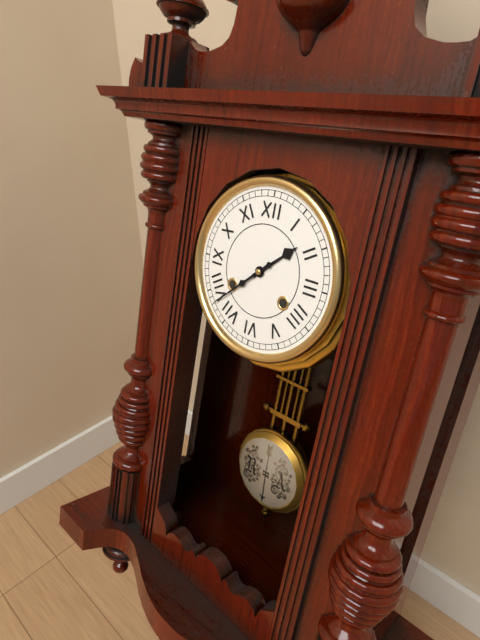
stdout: 1 h 38 min
